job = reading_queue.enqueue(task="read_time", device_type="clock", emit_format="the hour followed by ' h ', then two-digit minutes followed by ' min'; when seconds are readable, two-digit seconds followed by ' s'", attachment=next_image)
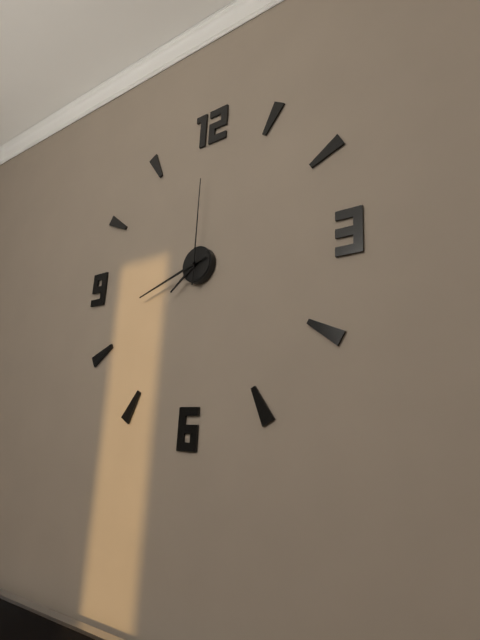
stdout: 7 h 42 min 00 s
